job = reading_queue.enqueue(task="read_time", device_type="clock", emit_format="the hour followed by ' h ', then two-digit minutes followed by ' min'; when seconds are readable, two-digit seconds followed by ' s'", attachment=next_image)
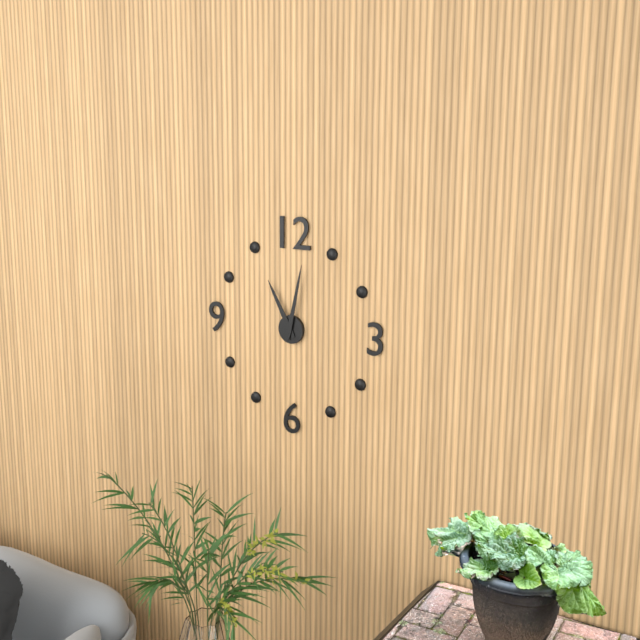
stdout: 11 h 02 min
